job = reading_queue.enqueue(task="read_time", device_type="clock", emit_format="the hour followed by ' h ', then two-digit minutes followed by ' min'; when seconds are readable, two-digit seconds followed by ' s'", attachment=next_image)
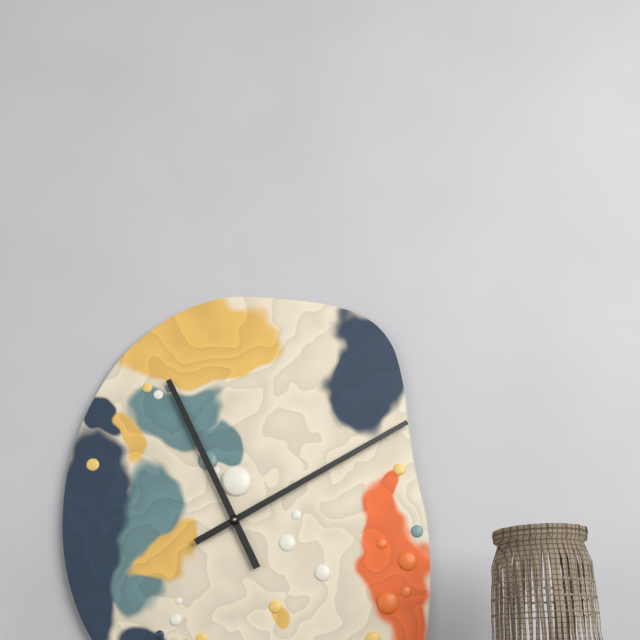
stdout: 11 h 10 min
